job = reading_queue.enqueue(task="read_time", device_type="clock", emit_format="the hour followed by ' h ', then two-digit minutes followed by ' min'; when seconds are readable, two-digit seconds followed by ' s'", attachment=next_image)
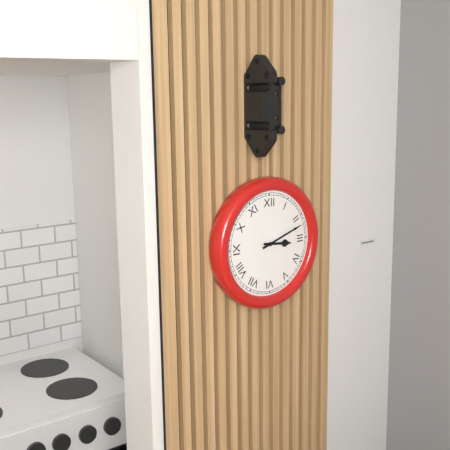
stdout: 3 h 12 min
